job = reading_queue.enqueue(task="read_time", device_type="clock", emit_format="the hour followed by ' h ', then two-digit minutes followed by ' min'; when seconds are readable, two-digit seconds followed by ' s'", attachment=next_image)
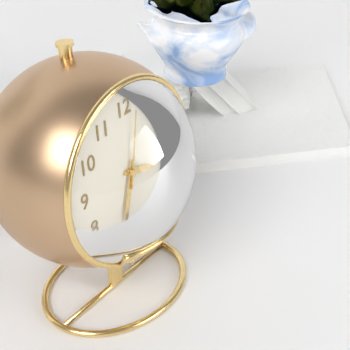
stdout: 3 h 33 min 02 s
